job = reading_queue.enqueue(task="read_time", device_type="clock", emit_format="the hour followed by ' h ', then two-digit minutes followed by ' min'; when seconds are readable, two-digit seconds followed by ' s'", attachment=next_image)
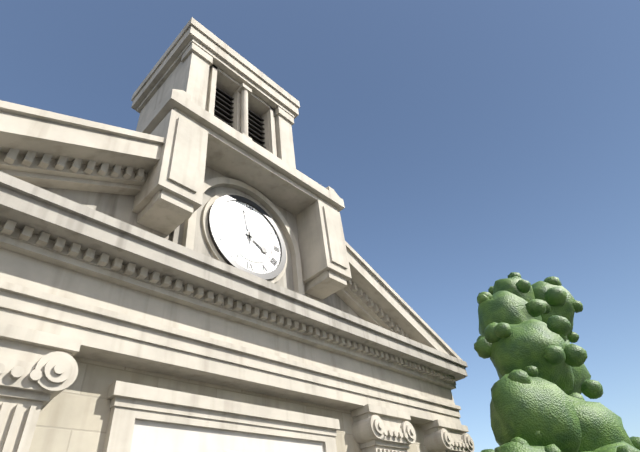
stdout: 3 h 58 min
